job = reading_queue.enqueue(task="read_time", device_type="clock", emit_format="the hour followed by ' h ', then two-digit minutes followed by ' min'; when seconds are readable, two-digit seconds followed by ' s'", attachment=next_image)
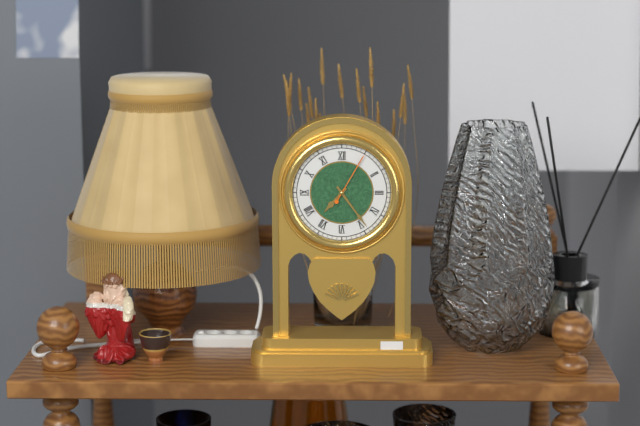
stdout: 7 h 24 min 05 s
